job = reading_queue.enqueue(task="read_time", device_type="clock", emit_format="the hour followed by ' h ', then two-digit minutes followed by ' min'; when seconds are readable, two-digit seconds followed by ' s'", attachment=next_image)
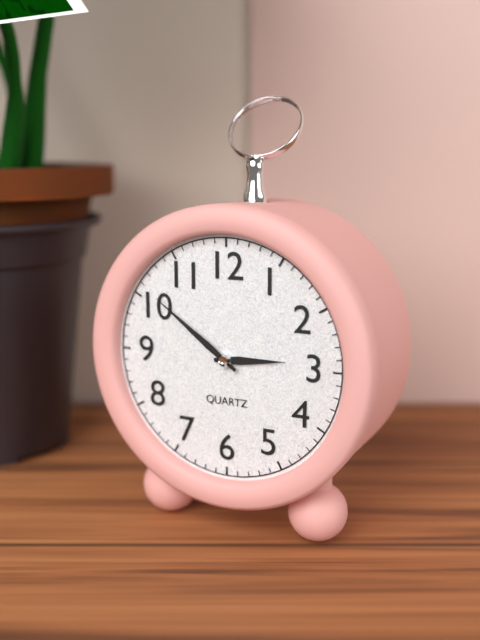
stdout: 2 h 51 min
